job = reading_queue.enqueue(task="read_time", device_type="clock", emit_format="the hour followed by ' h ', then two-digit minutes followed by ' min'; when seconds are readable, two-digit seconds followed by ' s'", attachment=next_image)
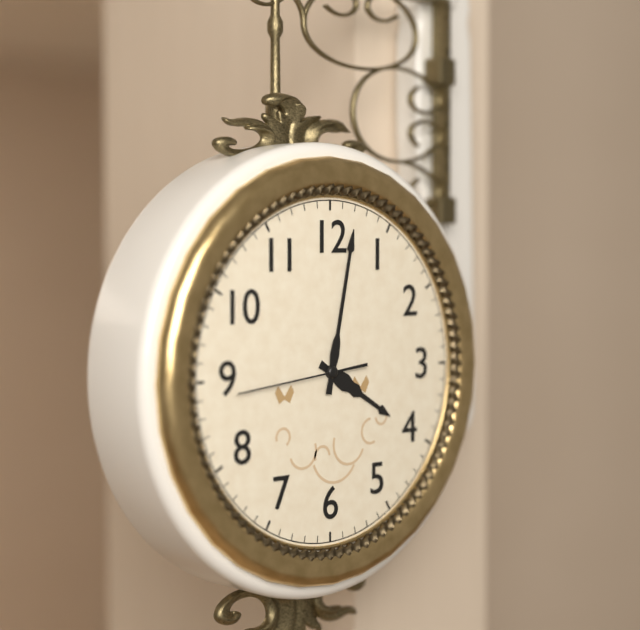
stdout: 4 h 02 min 44 s
